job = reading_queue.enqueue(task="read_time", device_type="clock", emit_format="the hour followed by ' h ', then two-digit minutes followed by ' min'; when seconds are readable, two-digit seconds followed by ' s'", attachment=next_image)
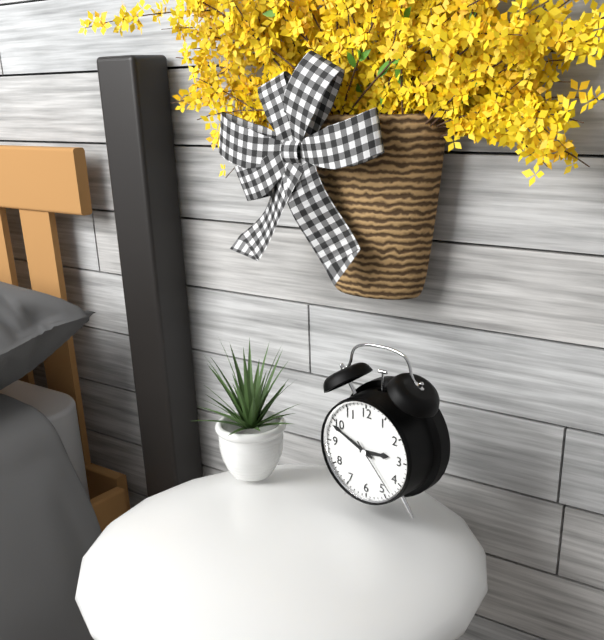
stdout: 2 h 49 min 23 s
